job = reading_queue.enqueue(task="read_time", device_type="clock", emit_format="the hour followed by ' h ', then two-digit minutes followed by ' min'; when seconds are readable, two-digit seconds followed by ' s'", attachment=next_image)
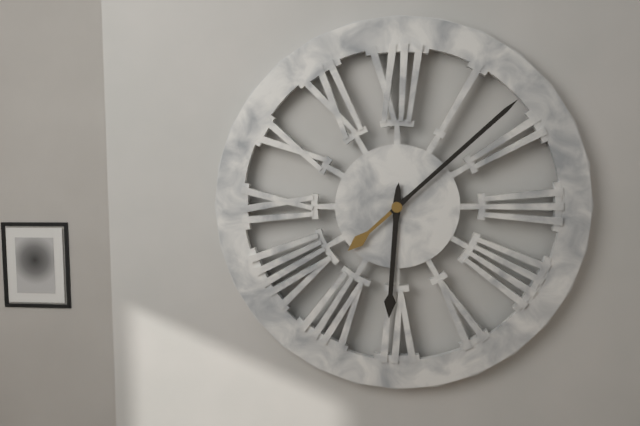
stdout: 6 h 08 min
